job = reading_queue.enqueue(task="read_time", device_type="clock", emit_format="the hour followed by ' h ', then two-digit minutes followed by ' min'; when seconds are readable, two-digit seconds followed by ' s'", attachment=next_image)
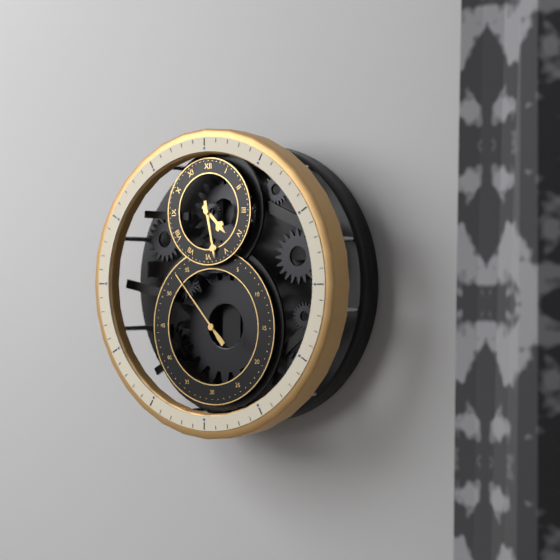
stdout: 4 h 28 min 53 s
